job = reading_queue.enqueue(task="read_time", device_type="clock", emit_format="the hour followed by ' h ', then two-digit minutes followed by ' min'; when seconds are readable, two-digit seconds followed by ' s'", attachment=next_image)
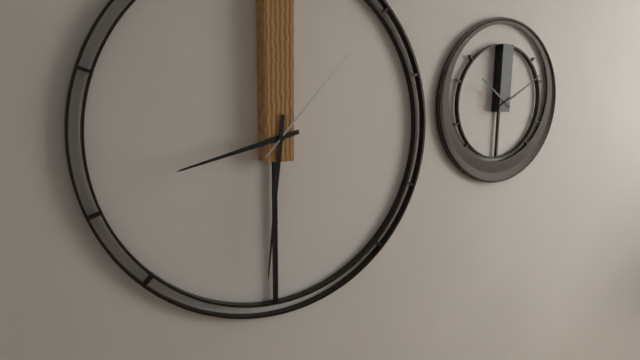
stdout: 8 h 31 min 07 s
